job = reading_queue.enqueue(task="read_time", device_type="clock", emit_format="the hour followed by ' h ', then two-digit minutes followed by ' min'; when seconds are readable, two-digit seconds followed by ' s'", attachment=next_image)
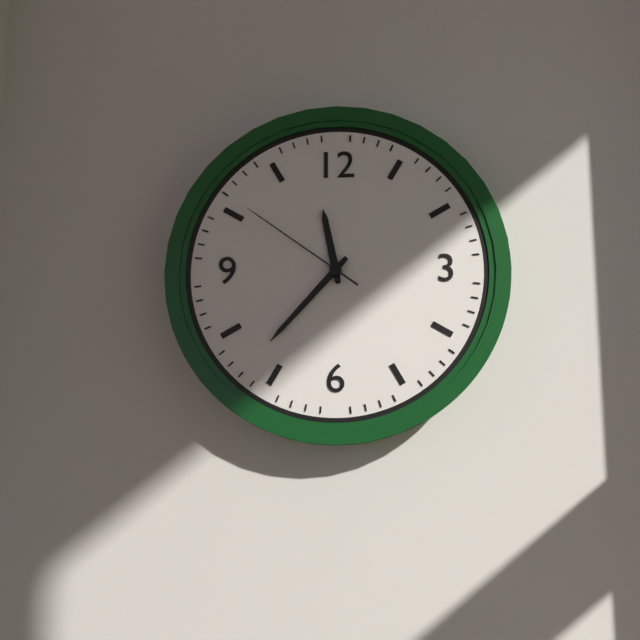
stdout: 11 h 37 min 51 s
